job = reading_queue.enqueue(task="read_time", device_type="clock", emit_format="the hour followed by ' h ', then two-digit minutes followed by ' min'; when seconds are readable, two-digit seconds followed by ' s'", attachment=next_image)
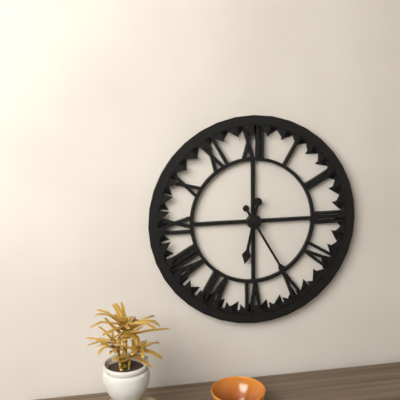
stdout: 6 h 25 min
